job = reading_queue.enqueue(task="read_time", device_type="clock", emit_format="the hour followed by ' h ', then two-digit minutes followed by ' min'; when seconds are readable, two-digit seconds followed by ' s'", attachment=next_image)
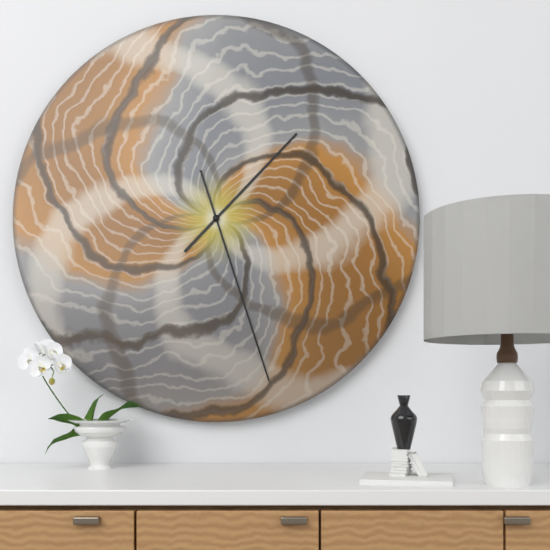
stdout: 1 h 27 min
